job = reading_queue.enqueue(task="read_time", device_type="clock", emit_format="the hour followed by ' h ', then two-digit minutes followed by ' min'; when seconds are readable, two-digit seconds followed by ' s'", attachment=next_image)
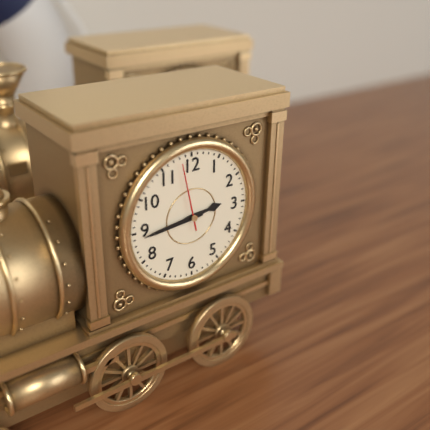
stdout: 2 h 44 min 58 s
